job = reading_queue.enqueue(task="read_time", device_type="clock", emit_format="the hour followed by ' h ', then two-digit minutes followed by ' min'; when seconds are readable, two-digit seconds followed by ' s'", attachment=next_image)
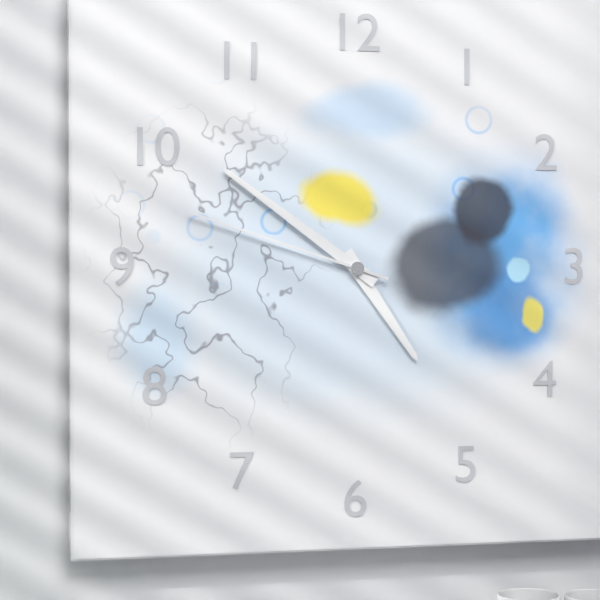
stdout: 4 h 51 min 48 s
